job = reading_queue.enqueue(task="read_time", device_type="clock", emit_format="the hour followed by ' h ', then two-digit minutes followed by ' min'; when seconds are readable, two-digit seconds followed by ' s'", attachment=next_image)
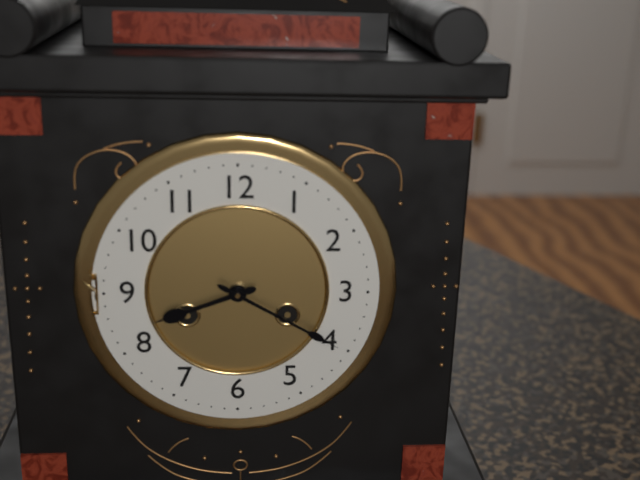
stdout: 8 h 20 min
